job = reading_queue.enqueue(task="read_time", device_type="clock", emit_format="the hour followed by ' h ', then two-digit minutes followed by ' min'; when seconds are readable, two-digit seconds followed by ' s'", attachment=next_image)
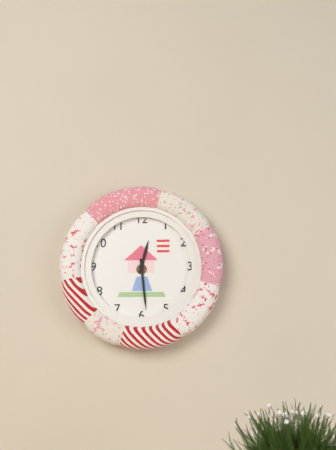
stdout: 12 h 29 min
